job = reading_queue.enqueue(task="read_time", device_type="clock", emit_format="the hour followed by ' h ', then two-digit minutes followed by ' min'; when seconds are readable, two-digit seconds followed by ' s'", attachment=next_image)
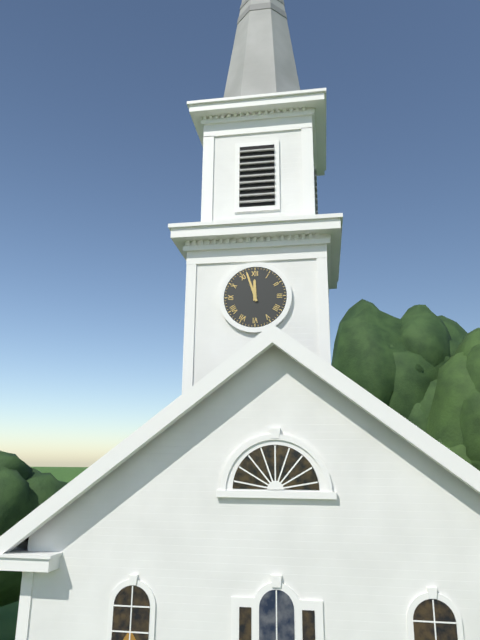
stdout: 11 h 57 min
